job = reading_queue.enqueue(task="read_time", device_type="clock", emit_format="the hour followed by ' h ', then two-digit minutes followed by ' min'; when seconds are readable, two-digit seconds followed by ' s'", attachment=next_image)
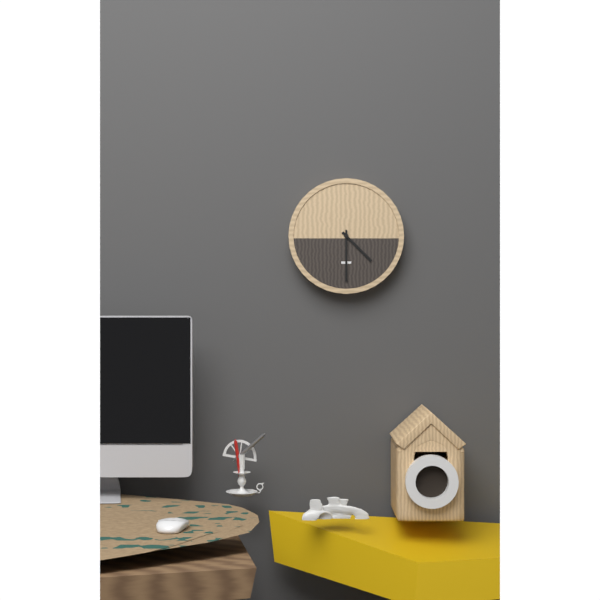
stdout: 4 h 30 min
